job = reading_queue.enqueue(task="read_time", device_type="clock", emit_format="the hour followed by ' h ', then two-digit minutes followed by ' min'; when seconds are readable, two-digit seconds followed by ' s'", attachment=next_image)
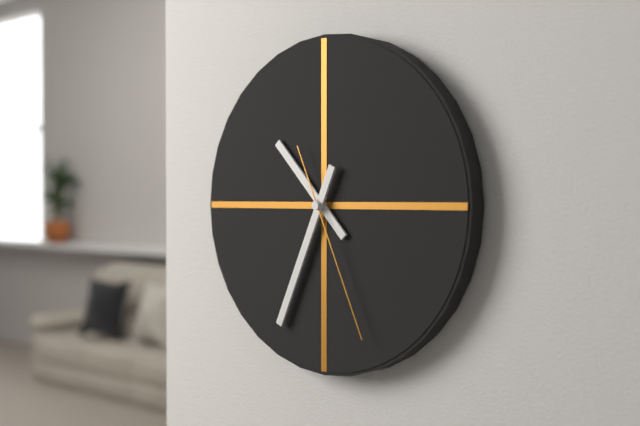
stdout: 10 h 34 min 26 s
